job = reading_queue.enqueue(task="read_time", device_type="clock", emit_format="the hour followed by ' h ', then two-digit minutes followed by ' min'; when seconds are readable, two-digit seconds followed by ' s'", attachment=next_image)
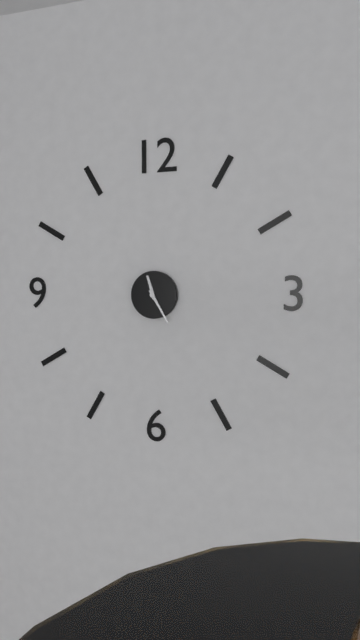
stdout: 11 h 25 min
